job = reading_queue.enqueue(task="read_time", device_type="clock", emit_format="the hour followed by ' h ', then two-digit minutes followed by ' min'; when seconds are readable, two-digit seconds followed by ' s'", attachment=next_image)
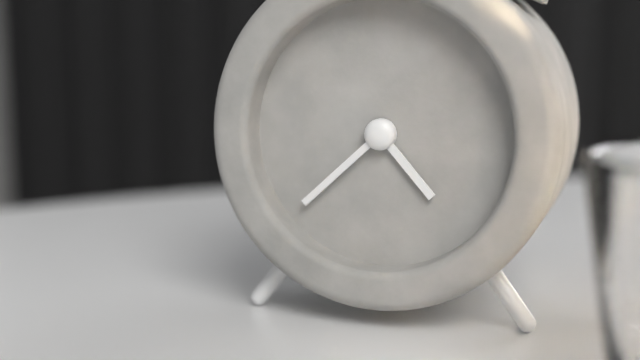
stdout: 4 h 38 min
